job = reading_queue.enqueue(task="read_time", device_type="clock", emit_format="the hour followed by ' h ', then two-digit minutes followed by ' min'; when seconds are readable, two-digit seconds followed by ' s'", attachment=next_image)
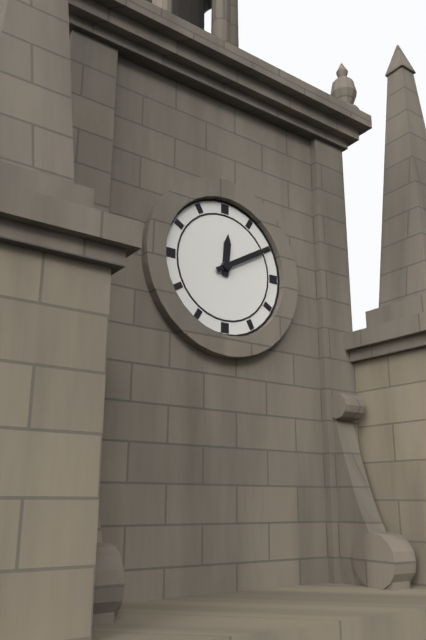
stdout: 12 h 10 min
